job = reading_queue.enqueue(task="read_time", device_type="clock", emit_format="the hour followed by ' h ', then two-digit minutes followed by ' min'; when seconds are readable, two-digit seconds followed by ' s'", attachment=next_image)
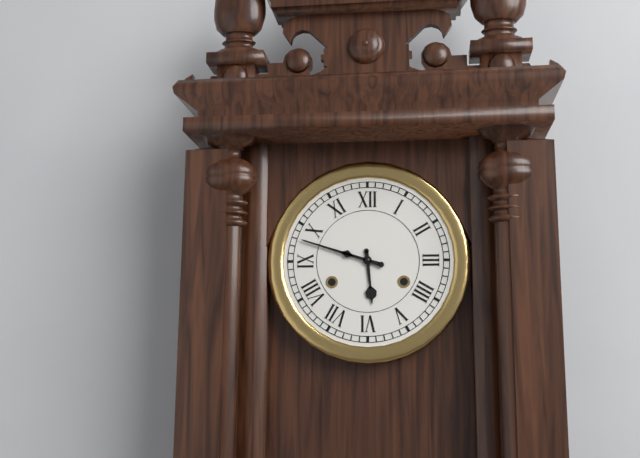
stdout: 5 h 48 min
